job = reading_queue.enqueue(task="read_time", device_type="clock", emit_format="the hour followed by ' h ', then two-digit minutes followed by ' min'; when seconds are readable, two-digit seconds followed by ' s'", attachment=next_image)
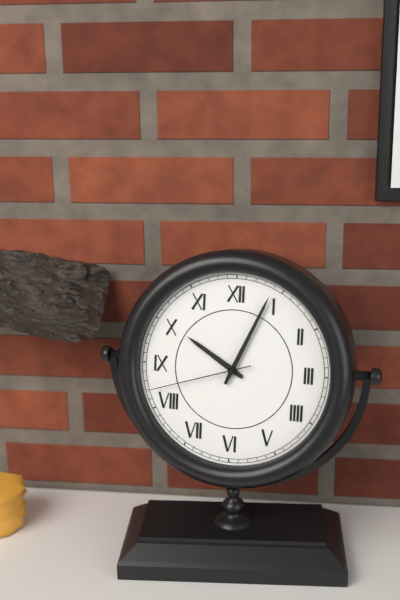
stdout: 10 h 04 min 42 s
